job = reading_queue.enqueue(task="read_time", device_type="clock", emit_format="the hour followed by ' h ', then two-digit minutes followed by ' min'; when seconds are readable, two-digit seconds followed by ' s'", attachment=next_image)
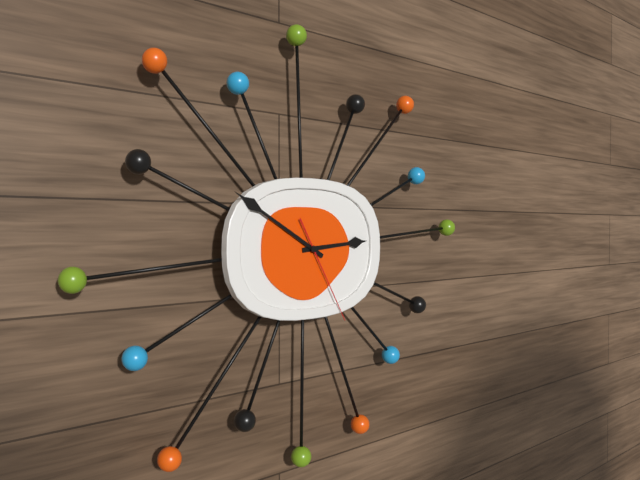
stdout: 2 h 50 min 25 s
